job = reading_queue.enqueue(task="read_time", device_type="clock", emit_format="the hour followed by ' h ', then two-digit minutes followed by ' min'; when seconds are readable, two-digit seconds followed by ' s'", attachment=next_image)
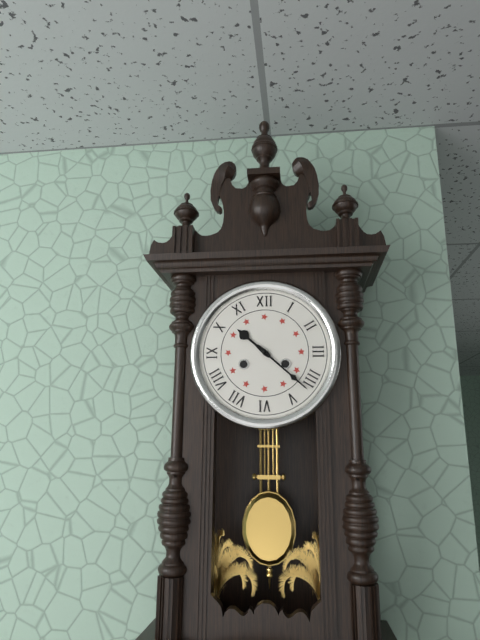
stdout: 10 h 22 min
